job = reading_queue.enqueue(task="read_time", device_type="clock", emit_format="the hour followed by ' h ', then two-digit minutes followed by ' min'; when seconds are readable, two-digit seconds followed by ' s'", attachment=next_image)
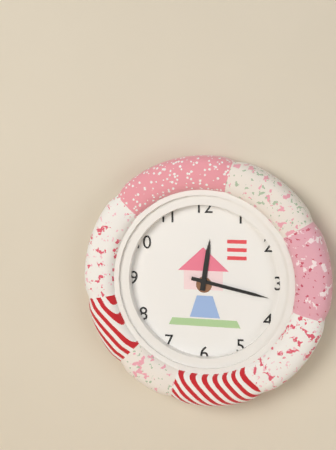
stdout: 12 h 17 min
